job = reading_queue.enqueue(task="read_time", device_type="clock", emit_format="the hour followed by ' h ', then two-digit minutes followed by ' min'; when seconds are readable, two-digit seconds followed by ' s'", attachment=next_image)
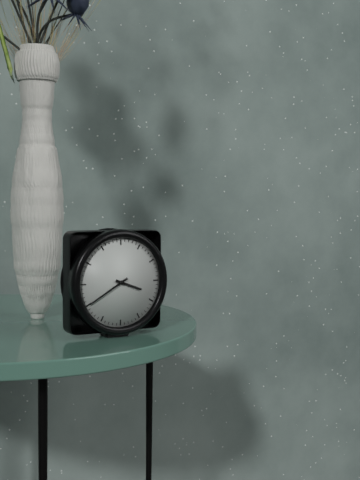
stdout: 3 h 40 min
